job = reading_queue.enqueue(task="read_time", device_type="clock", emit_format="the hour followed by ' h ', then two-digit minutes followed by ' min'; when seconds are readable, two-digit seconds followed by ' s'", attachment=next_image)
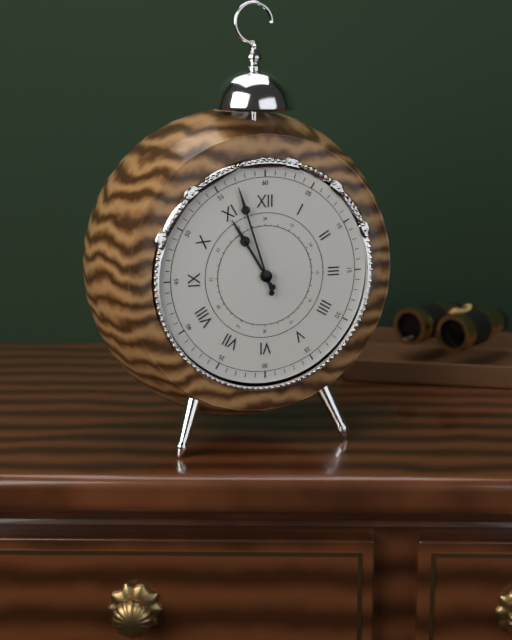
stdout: 10 h 57 min
